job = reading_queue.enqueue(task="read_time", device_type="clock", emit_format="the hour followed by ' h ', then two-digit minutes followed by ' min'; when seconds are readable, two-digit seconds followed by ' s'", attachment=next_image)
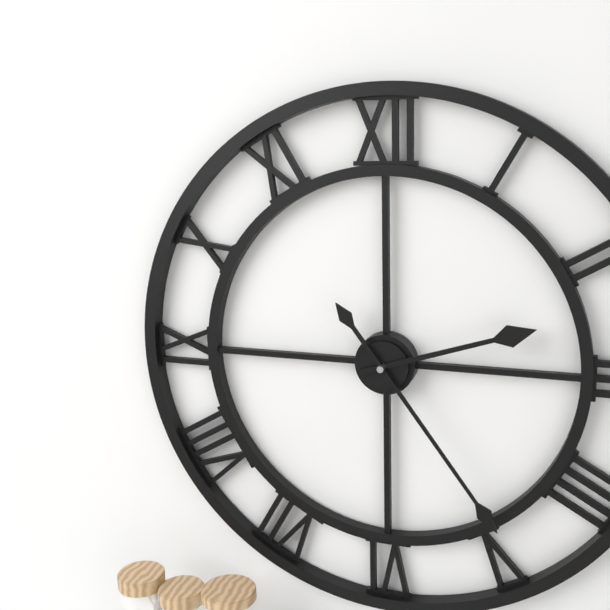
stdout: 2 h 24 min
